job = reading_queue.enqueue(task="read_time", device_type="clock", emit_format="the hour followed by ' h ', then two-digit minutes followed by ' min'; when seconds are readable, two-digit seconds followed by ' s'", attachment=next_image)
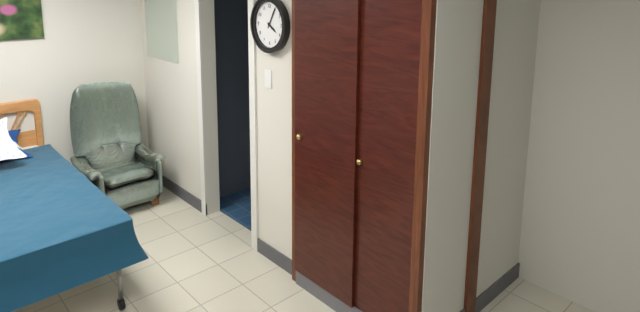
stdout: 4 h 05 min
